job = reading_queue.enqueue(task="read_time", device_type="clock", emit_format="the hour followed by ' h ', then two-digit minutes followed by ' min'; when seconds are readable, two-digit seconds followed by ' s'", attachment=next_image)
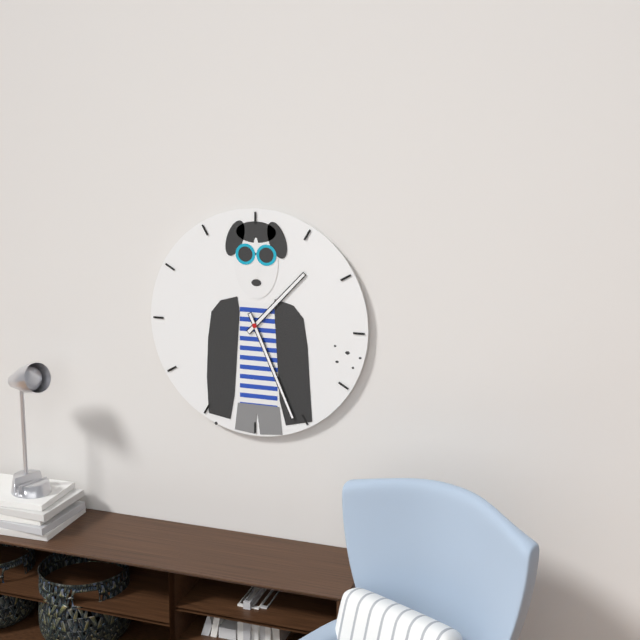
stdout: 1 h 26 min
